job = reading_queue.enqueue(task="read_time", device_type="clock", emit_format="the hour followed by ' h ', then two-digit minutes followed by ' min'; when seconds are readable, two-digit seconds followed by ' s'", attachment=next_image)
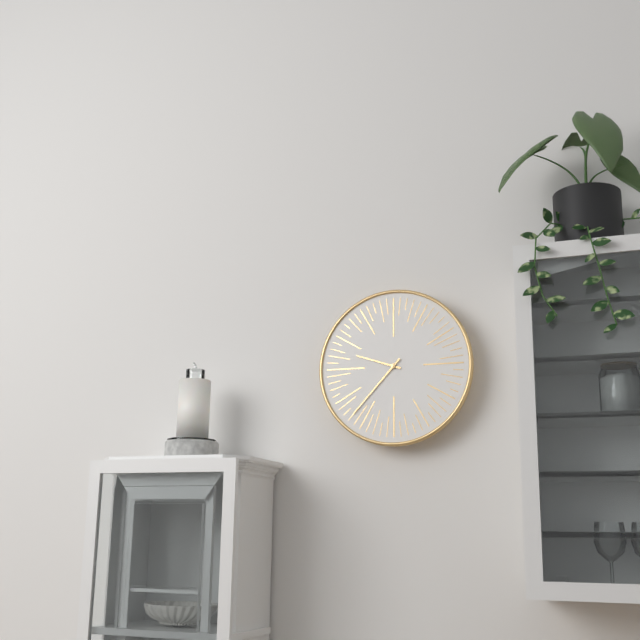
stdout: 9 h 37 min
